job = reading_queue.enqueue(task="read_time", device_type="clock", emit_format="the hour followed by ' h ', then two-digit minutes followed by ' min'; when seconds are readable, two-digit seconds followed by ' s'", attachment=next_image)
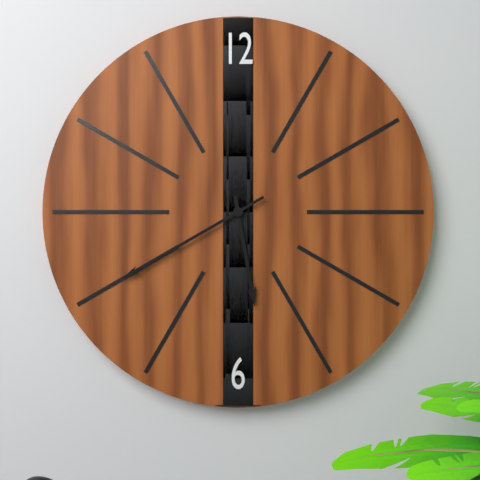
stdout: 5 h 40 min
